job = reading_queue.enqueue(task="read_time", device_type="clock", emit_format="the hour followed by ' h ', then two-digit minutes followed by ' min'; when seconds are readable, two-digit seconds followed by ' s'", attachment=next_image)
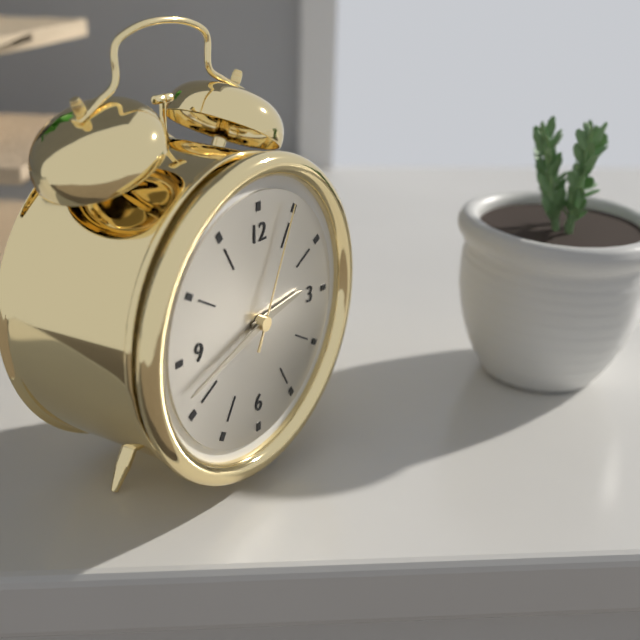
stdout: 2 h 42 min 04 s
